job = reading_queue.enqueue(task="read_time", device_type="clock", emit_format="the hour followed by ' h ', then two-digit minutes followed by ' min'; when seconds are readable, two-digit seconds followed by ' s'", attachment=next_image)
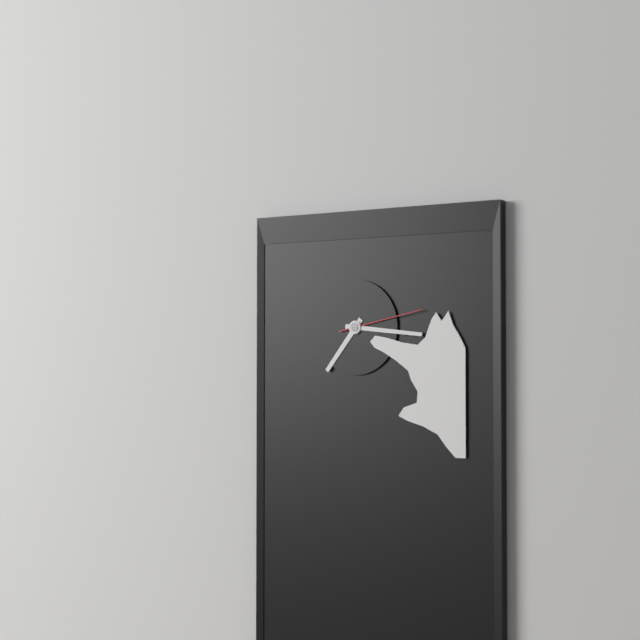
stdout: 7 h 16 min 13 s
